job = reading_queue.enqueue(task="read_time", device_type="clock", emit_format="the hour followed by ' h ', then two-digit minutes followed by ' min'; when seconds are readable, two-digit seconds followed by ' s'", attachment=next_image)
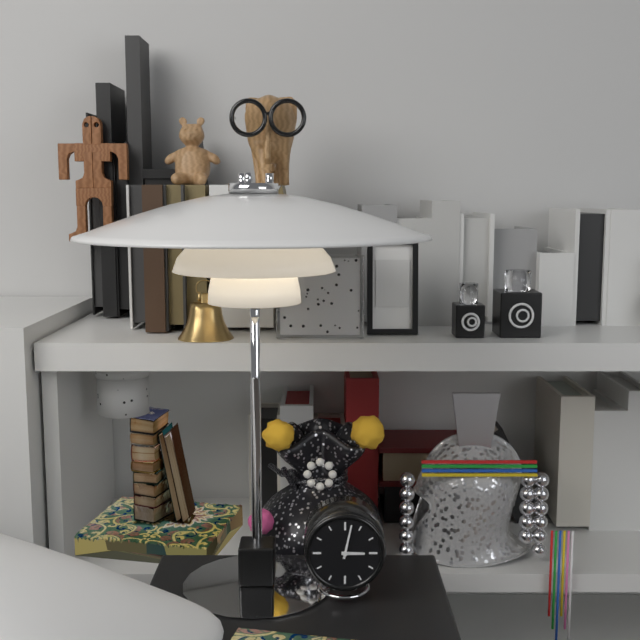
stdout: 3 h 02 min
